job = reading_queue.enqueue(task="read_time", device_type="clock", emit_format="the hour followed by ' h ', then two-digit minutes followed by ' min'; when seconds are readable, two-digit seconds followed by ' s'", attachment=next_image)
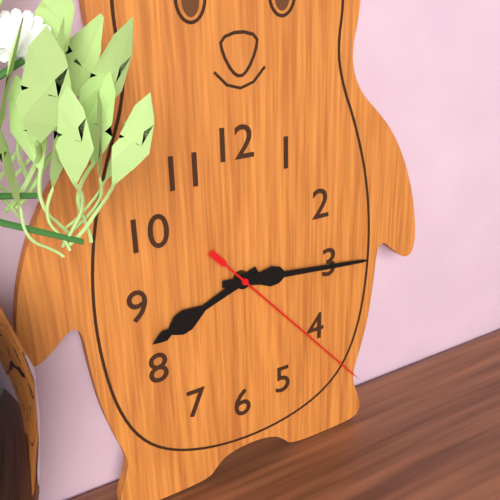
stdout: 8 h 16 min 23 s
